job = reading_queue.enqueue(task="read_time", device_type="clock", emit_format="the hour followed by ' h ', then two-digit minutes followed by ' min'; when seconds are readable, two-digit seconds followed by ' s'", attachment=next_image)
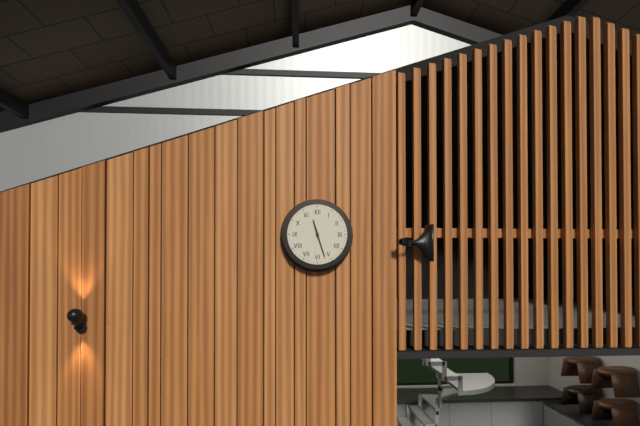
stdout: 11 h 27 min
